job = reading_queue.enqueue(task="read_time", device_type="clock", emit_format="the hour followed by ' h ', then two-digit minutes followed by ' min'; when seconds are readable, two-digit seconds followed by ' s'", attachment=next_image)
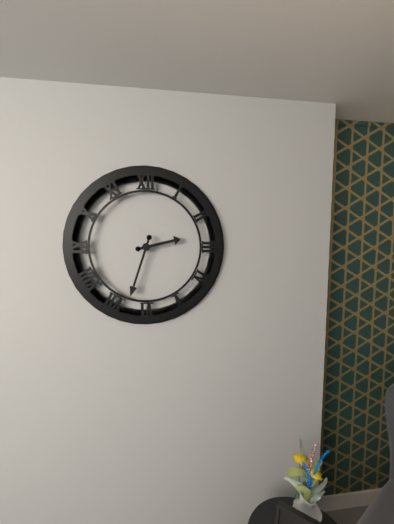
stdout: 2 h 33 min
